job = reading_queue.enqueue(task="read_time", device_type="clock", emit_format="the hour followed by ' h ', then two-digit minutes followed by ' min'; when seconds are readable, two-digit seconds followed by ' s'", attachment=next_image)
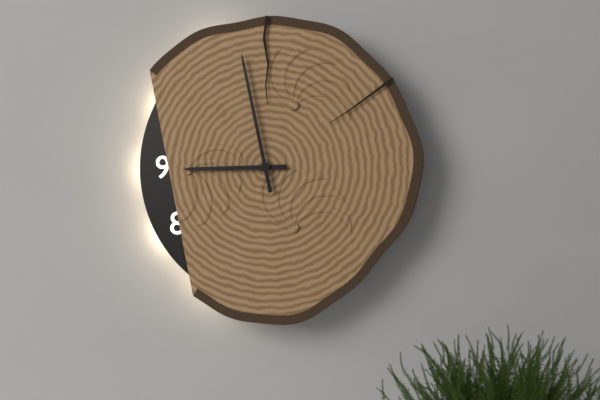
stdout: 8 h 58 min
